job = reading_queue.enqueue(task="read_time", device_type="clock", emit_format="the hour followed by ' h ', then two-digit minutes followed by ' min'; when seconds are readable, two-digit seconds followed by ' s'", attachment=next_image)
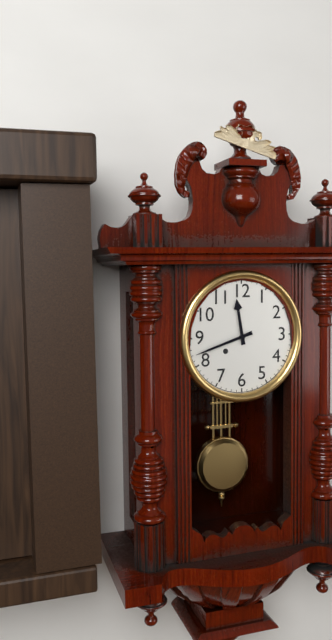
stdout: 11 h 42 min
